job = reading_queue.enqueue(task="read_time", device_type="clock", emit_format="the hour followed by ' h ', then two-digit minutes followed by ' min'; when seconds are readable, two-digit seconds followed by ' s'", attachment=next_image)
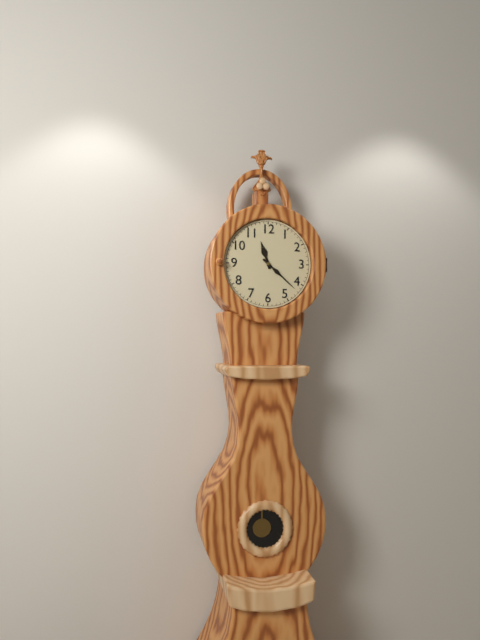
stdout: 11 h 22 min
